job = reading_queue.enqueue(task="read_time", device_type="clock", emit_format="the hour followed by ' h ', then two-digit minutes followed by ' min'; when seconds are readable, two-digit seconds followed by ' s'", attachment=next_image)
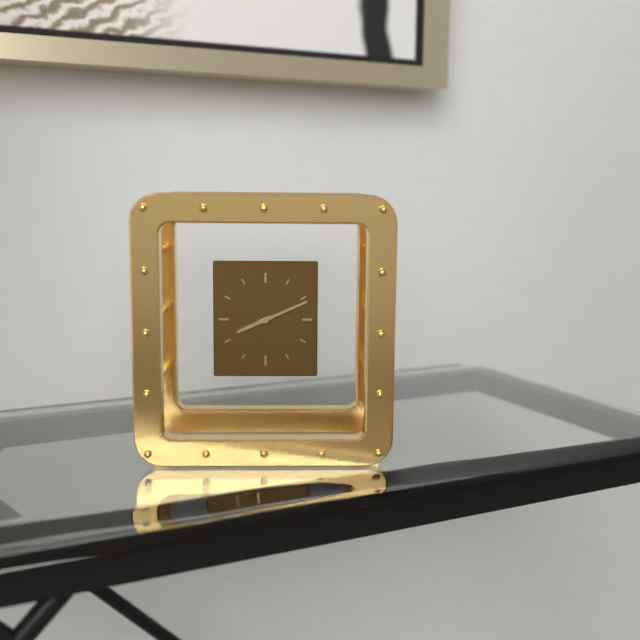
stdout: 8 h 11 min
